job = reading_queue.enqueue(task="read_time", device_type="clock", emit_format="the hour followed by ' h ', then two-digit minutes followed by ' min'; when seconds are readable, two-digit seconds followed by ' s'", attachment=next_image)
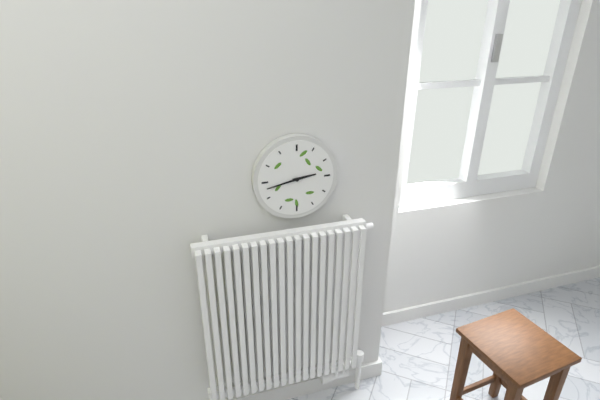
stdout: 2 h 43 min
